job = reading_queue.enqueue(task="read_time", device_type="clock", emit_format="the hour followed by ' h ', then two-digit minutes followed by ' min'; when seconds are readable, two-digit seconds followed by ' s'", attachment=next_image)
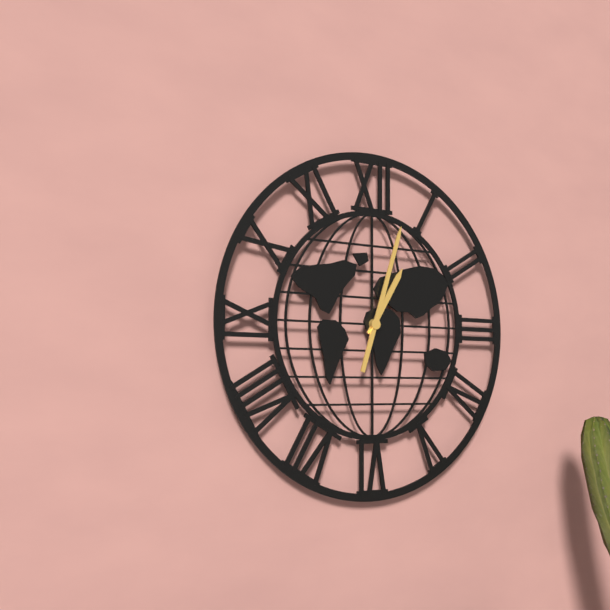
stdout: 1 h 03 min
